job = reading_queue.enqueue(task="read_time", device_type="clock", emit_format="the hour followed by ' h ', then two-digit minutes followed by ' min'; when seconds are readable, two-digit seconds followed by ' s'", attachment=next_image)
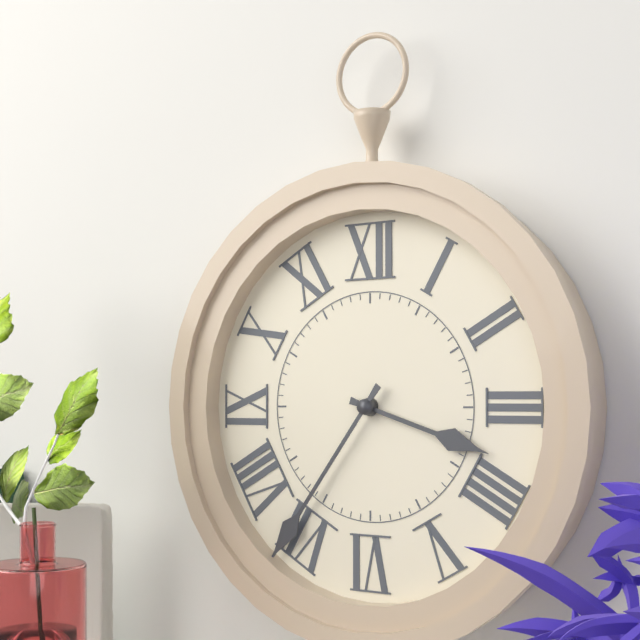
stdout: 3 h 36 min
